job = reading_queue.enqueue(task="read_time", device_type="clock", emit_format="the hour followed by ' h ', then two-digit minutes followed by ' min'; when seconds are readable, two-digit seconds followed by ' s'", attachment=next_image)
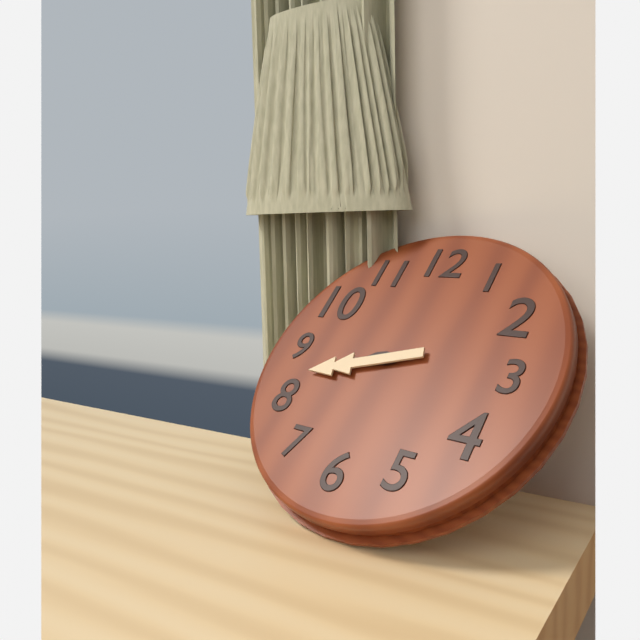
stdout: 8 h 42 min
